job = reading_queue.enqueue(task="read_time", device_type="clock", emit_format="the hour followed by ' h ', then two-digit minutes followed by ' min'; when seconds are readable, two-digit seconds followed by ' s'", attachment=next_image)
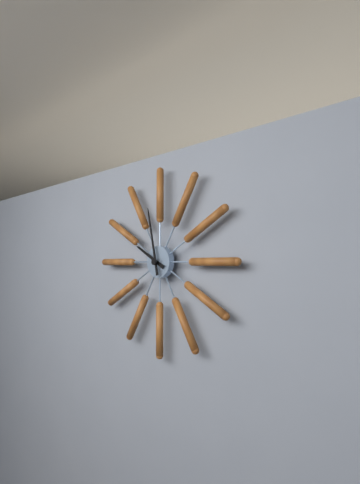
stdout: 9 h 58 min
